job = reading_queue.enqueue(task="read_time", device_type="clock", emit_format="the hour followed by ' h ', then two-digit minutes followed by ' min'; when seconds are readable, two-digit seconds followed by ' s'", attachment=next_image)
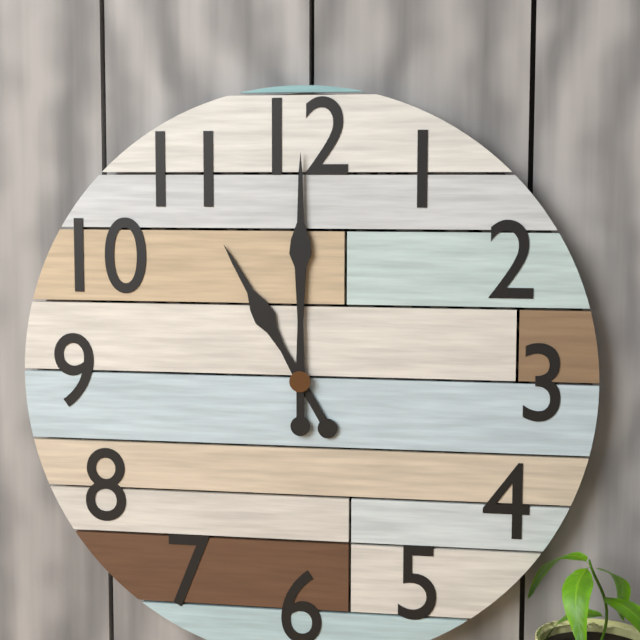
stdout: 11 h 00 min
